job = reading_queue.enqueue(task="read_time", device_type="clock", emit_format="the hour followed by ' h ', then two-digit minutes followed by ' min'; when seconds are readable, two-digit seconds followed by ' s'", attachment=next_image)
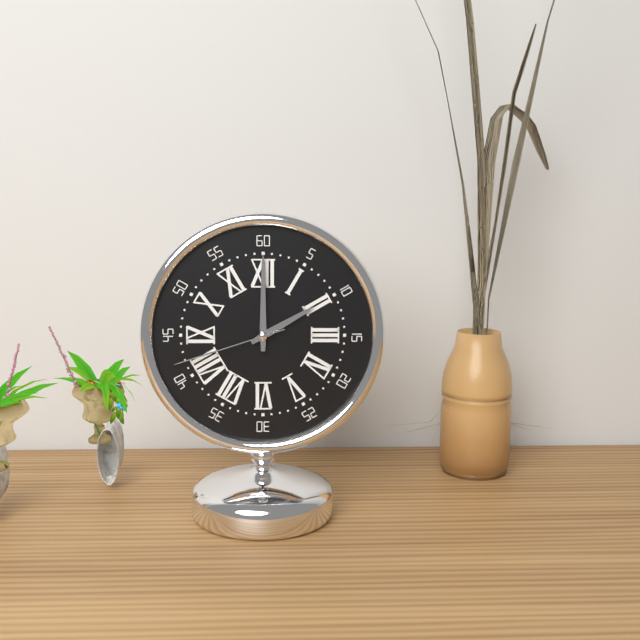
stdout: 2 h 00 min 42 s
